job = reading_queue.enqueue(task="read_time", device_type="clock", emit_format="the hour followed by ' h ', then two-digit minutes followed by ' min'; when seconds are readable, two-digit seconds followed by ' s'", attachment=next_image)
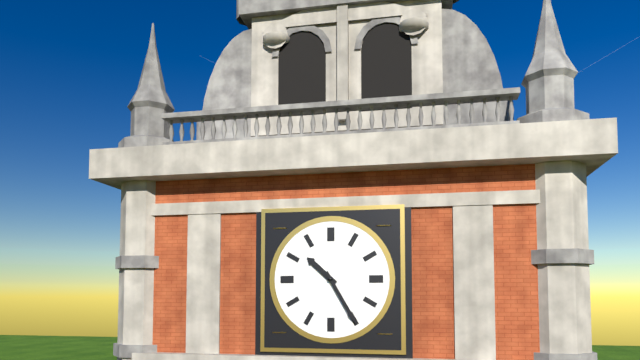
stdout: 10 h 25 min
